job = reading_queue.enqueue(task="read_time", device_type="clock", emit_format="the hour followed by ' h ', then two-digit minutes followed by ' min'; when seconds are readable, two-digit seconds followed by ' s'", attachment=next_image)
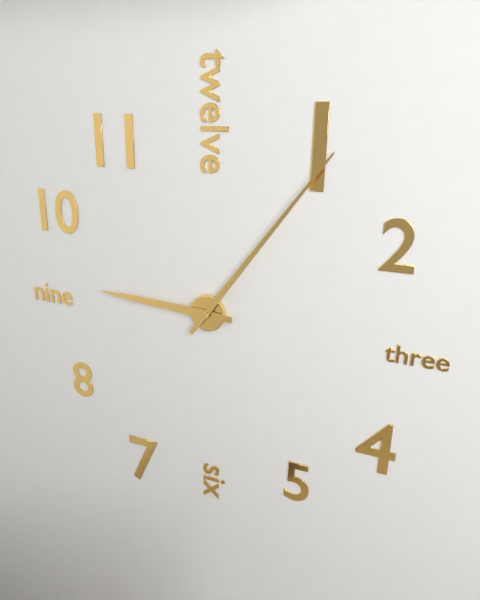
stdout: 9 h 06 min
